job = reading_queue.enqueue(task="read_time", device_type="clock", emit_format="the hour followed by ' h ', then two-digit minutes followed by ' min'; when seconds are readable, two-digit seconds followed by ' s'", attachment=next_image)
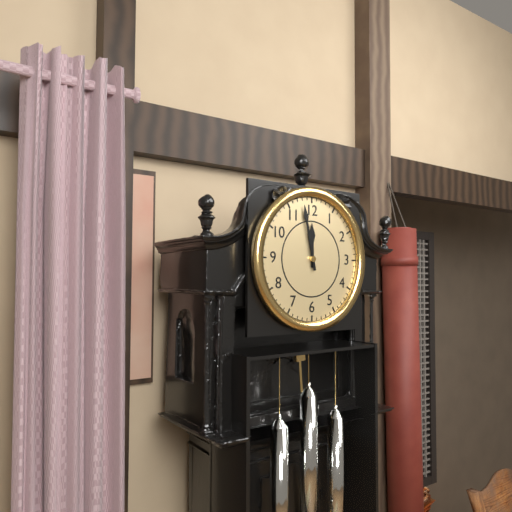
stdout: 11 h 58 min
